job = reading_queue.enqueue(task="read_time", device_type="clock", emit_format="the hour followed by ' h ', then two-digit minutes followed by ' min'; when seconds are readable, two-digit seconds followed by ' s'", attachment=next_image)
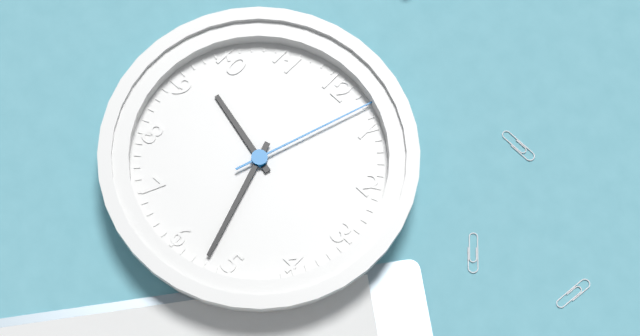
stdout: 9 h 27 min 03 s
